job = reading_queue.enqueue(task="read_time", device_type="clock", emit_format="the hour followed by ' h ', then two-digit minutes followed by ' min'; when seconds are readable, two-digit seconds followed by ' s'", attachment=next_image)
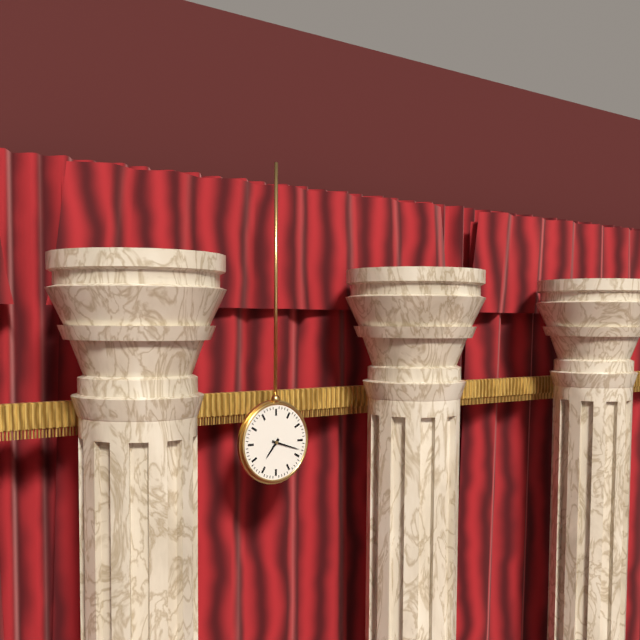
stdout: 7 h 18 min
